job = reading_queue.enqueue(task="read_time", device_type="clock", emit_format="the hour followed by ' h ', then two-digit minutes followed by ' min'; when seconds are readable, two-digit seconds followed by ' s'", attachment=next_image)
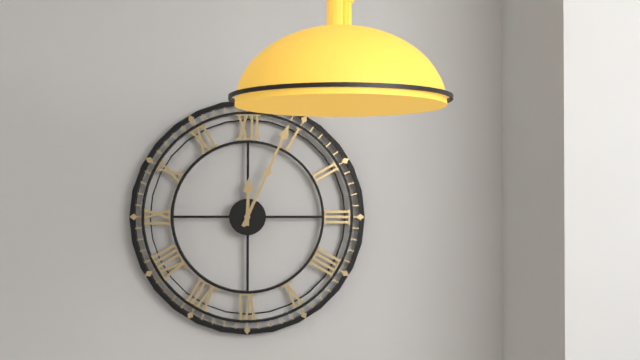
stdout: 12 h 04 min
